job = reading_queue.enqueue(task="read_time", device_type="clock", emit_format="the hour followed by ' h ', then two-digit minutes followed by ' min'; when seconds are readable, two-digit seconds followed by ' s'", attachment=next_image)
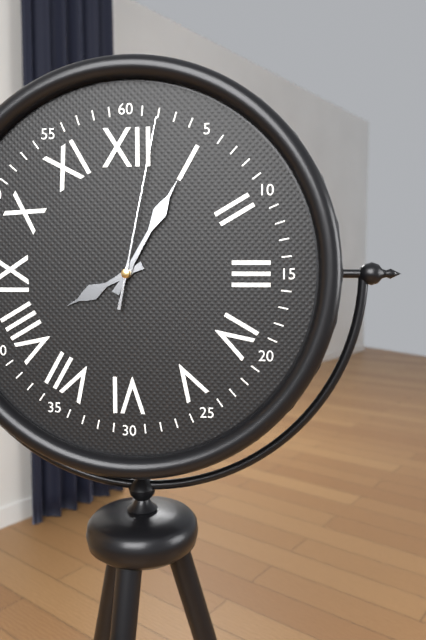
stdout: 8 h 05 min 02 s
